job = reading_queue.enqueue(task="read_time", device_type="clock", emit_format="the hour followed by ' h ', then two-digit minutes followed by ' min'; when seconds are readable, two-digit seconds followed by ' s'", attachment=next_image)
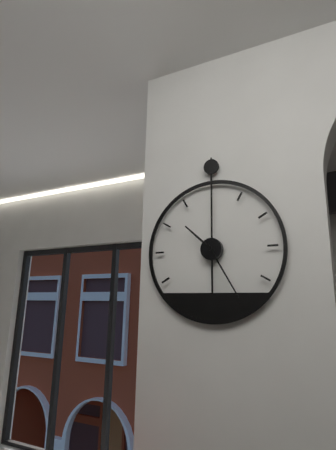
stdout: 10 h 25 min
